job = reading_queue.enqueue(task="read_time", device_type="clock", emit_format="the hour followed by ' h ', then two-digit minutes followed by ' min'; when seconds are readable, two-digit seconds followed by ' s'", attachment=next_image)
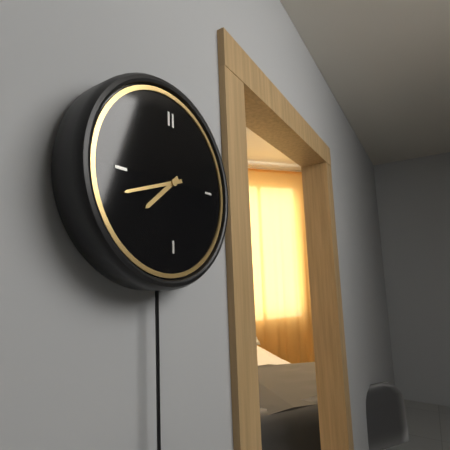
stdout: 7 h 42 min
